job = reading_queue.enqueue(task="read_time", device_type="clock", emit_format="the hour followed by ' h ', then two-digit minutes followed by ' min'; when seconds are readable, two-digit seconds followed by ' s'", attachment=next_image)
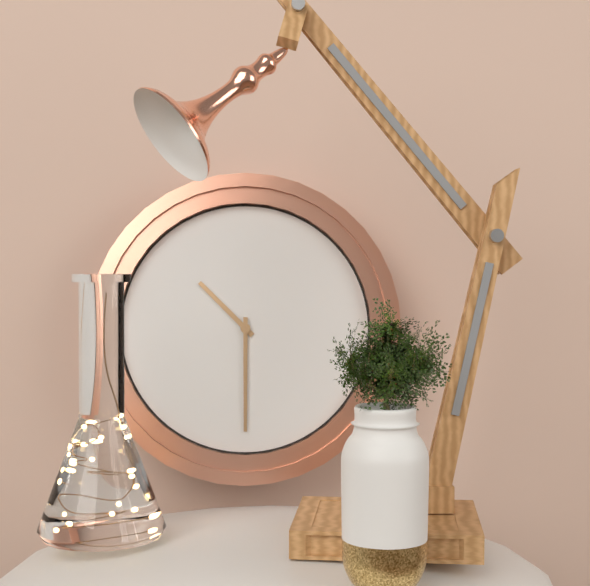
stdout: 10 h 30 min
